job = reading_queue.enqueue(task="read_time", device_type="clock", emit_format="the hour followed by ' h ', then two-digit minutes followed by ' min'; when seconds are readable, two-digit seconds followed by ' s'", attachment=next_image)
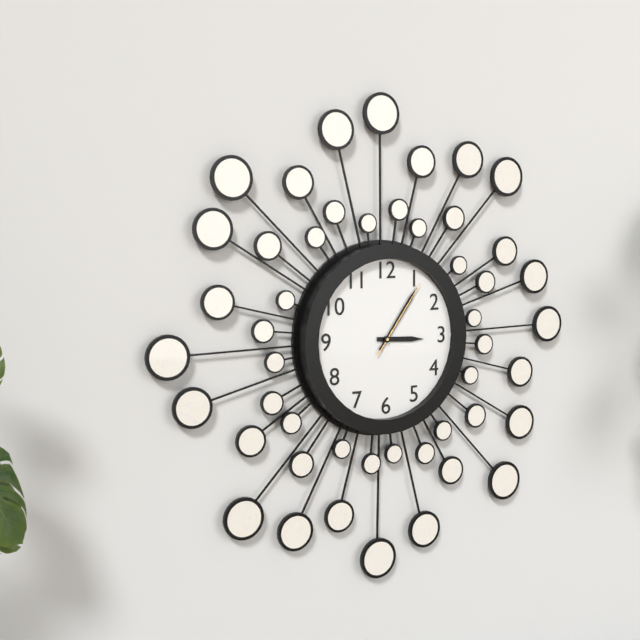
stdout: 3 h 06 min 06 s
